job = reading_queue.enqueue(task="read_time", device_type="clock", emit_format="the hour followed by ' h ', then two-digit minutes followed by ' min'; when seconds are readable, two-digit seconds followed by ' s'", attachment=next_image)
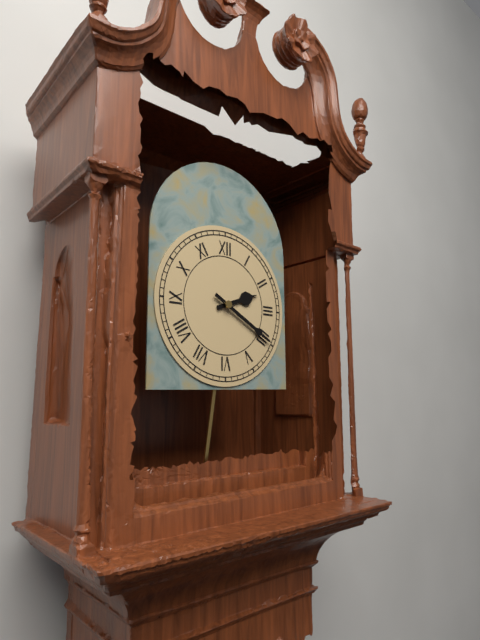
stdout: 2 h 20 min
